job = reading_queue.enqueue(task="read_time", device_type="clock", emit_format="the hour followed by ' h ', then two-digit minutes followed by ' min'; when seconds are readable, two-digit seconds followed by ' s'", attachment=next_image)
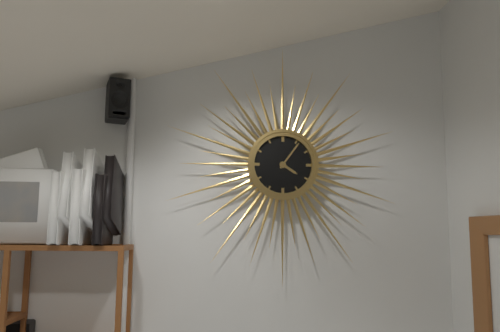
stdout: 4 h 06 min
